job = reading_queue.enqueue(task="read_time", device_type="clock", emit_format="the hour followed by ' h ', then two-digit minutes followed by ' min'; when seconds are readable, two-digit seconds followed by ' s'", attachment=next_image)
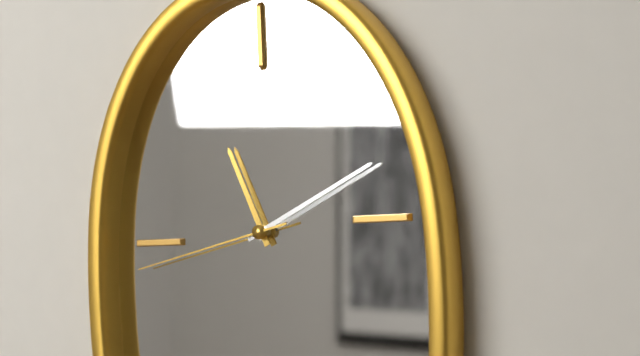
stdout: 11 h 11 min 43 s
